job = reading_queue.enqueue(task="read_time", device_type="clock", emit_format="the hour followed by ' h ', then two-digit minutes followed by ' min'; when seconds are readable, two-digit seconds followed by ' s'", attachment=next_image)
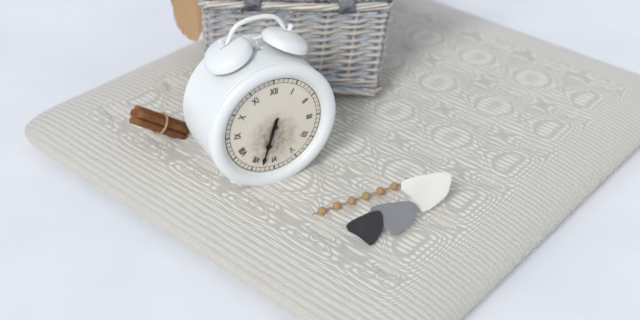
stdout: 6 h 33 min
